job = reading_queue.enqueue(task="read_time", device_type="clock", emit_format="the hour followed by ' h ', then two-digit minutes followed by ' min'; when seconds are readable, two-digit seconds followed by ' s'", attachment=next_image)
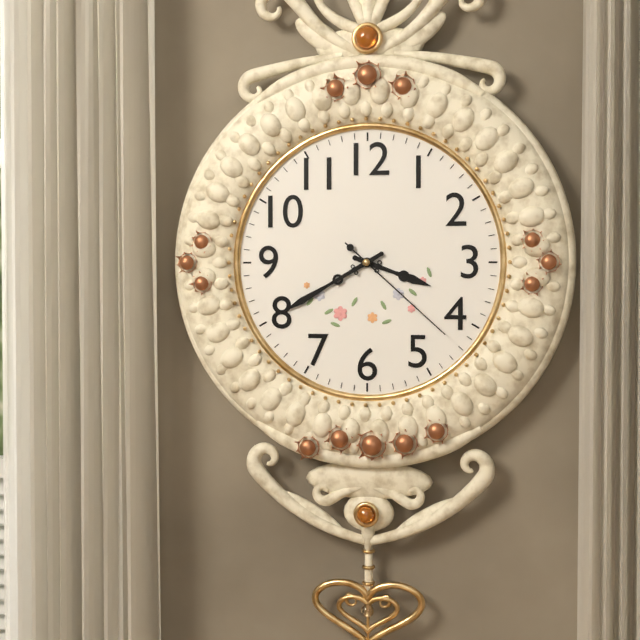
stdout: 3 h 40 min 22 s
